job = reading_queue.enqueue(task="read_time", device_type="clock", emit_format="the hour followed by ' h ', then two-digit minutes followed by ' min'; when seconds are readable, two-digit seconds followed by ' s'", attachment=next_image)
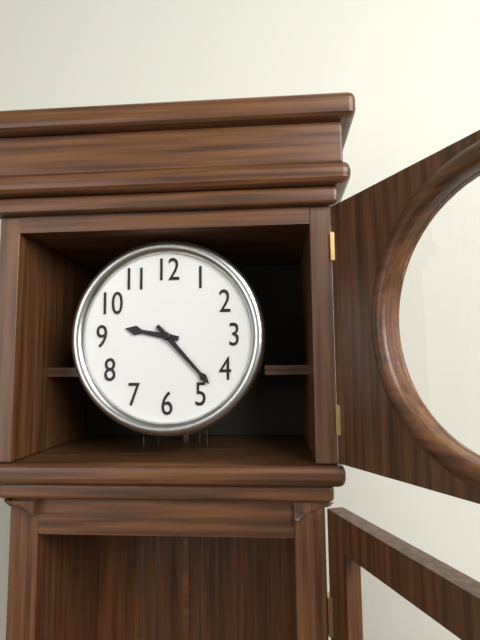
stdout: 9 h 23 min
